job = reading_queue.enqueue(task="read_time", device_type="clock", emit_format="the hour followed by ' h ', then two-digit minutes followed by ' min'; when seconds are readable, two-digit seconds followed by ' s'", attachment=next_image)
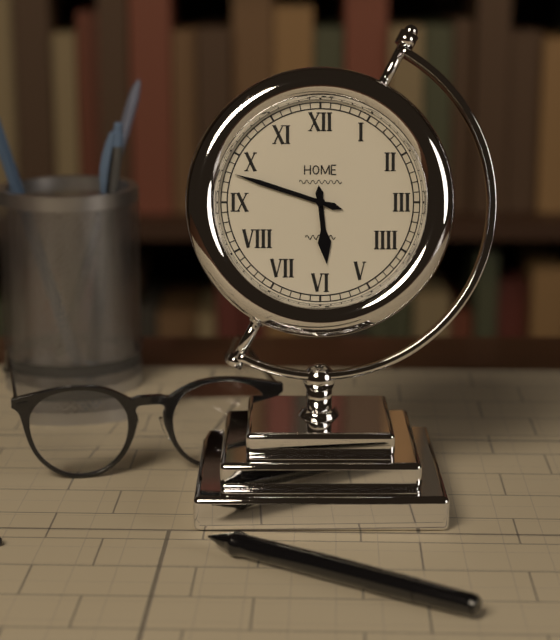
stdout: 5 h 48 min
